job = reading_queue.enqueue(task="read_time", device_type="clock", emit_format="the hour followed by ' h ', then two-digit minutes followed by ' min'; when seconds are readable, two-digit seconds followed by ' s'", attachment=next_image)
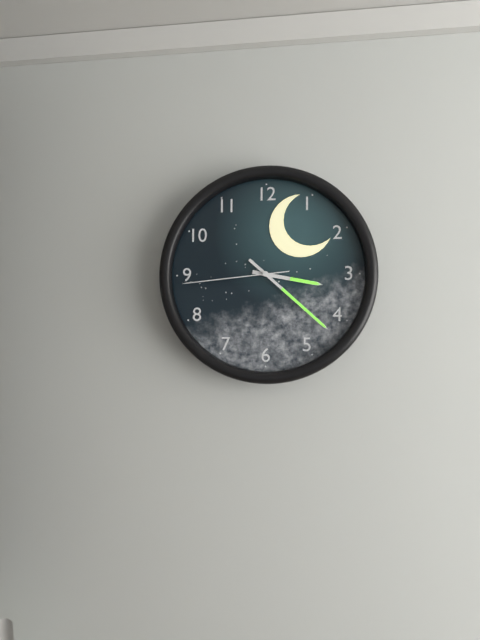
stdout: 3 h 22 min 44 s
